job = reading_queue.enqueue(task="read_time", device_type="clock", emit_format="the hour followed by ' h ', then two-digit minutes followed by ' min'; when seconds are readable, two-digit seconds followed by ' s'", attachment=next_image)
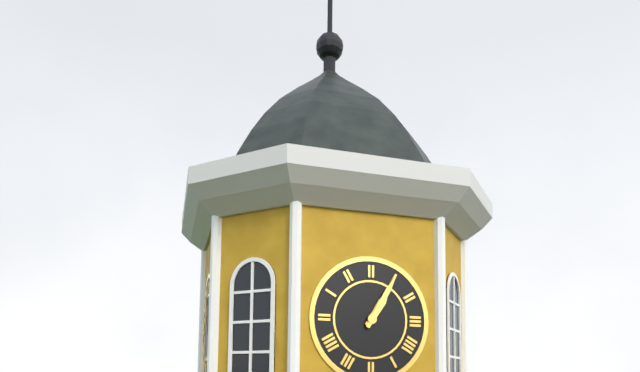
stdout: 1 h 05 min
